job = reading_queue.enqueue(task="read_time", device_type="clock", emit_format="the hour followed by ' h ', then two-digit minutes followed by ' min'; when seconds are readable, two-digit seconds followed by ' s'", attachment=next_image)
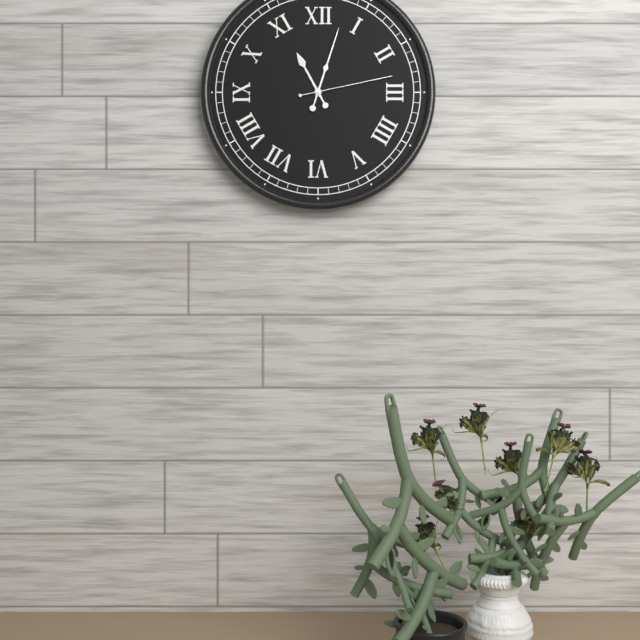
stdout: 11 h 03 min 13 s
